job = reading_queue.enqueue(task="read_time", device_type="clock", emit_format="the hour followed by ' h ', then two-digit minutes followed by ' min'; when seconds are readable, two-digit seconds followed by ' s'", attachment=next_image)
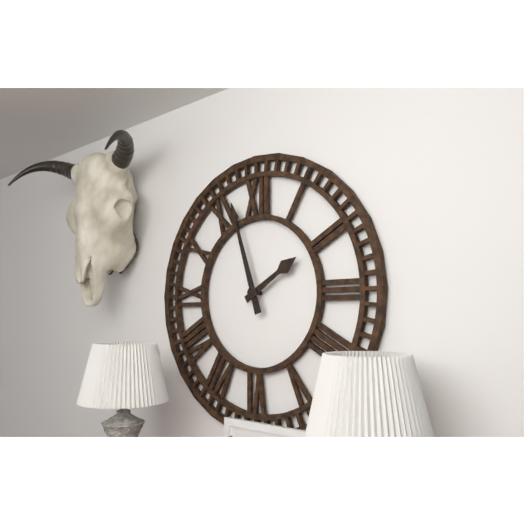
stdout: 1 h 57 min
